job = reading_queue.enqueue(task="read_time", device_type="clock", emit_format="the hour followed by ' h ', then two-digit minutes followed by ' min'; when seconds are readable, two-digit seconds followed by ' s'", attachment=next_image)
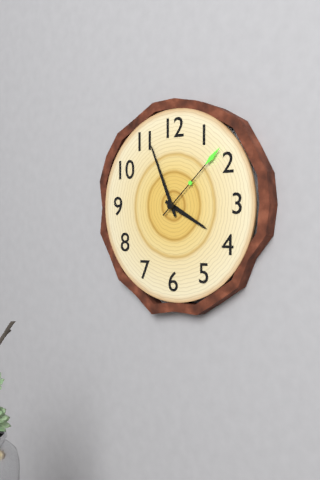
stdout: 3 h 56 min 08 s
